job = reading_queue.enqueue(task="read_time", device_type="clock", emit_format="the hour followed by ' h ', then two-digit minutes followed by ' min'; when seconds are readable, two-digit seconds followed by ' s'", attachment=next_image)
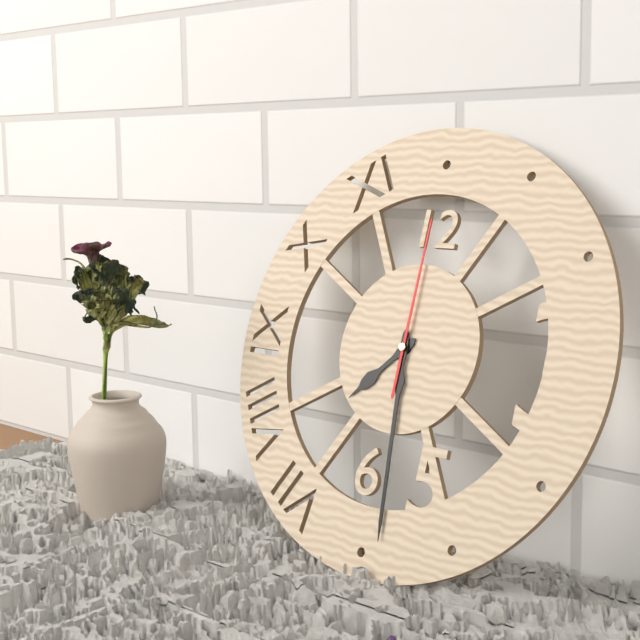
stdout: 7 h 29 min 00 s
